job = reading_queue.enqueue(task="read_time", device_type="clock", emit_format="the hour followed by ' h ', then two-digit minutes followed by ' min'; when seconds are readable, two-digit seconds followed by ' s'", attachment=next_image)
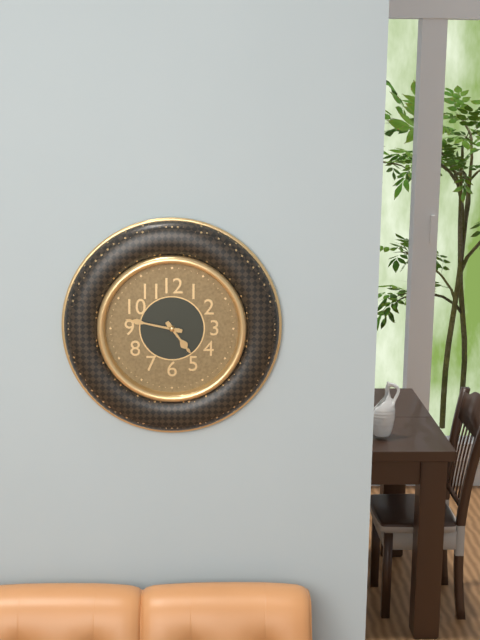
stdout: 4 h 47 min
